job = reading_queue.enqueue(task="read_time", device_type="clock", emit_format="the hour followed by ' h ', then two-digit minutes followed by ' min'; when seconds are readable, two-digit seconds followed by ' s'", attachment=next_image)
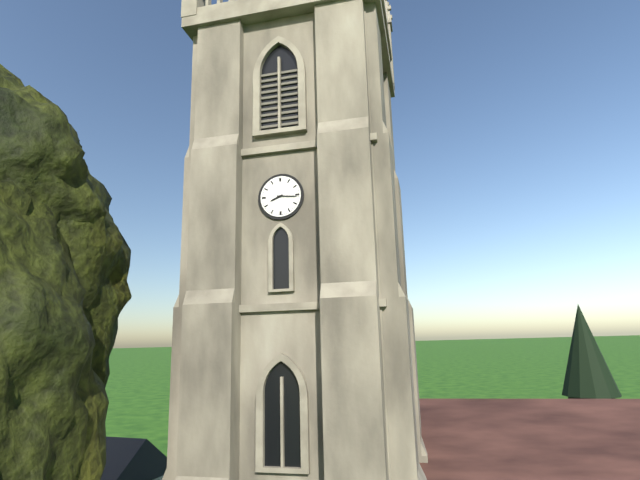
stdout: 8 h 16 min
